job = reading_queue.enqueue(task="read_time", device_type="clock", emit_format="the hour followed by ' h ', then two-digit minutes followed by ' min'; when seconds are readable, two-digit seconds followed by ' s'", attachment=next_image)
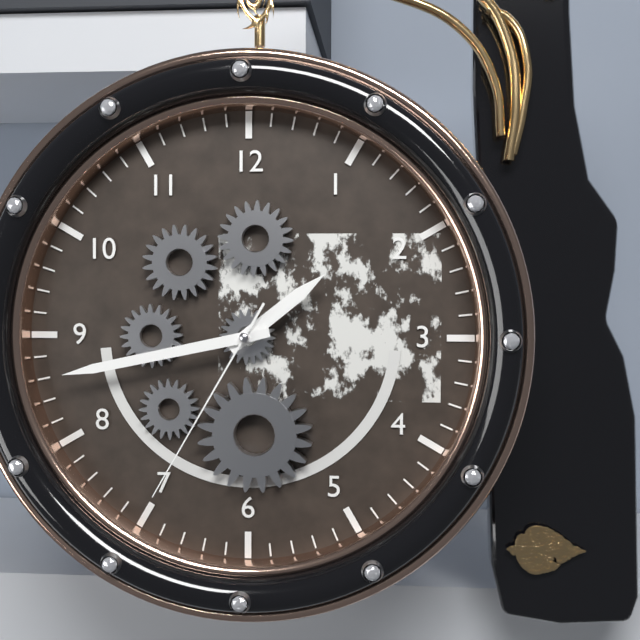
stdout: 1 h 43 min 35 s
